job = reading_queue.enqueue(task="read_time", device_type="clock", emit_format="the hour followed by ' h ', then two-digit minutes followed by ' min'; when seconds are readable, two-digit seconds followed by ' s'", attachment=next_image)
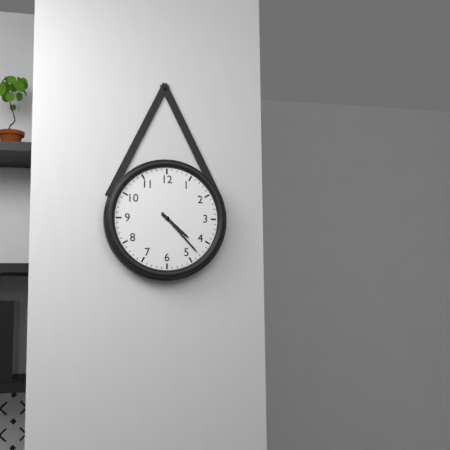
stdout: 4 h 23 min
